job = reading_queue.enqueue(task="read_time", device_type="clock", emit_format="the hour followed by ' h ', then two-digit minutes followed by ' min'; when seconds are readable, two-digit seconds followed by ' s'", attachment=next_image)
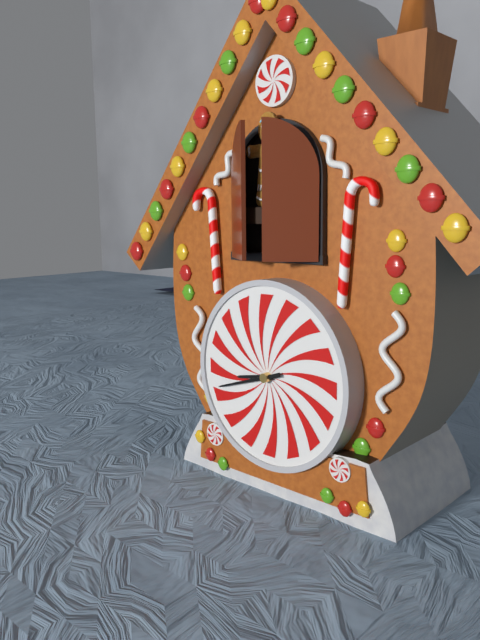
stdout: 8 h 42 min
